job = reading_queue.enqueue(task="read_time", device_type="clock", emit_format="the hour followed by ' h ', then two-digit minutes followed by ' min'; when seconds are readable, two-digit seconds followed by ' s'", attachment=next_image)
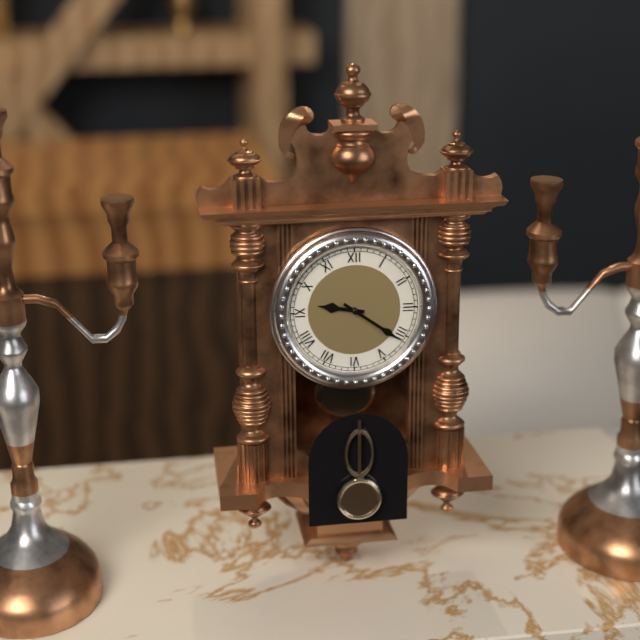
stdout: 9 h 21 min
